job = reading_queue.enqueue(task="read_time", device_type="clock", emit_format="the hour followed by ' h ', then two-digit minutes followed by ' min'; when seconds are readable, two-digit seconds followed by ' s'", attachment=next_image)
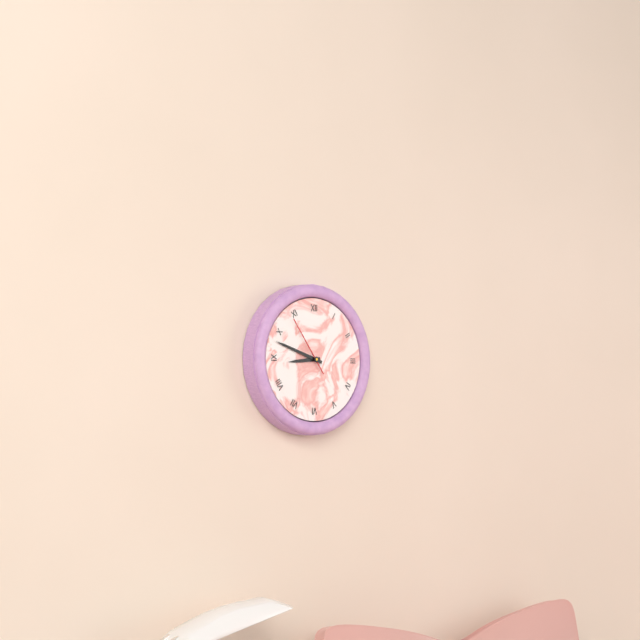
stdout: 8 h 48 min 54 s
